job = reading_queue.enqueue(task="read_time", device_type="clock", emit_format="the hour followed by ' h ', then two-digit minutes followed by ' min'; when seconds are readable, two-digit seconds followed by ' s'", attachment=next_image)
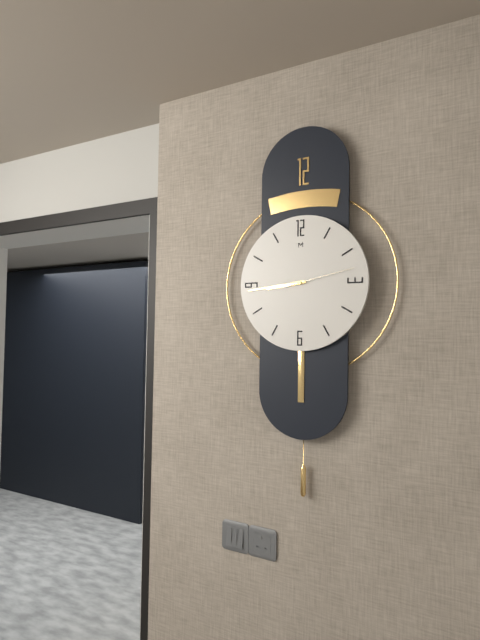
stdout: 8 h 44 min 13 s
